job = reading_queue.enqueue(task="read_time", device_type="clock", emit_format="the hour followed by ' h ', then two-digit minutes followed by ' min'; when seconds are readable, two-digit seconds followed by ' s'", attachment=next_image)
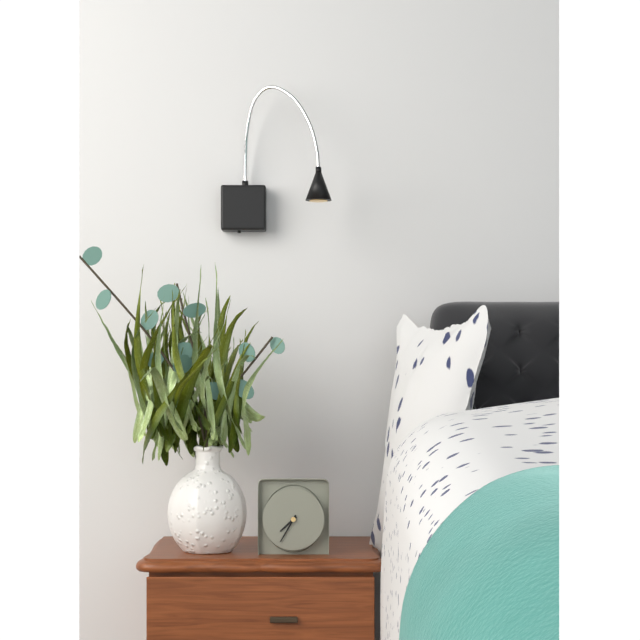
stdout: 7 h 35 min
